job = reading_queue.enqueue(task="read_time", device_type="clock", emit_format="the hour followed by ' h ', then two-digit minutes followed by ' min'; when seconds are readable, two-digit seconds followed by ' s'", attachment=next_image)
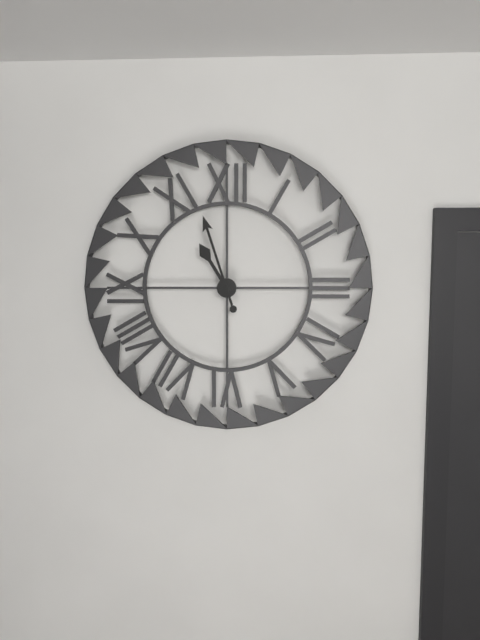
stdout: 10 h 57 min
